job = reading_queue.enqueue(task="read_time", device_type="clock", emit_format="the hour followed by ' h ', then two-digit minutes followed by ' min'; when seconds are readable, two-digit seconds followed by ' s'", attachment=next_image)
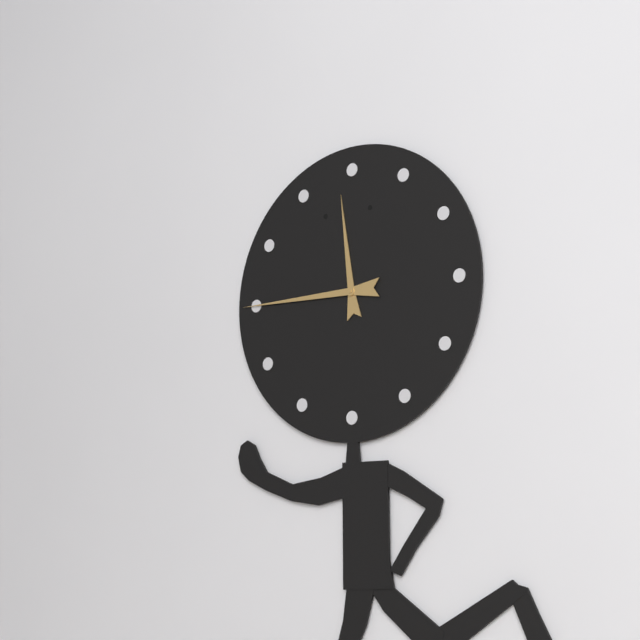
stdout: 11 h 45 min
